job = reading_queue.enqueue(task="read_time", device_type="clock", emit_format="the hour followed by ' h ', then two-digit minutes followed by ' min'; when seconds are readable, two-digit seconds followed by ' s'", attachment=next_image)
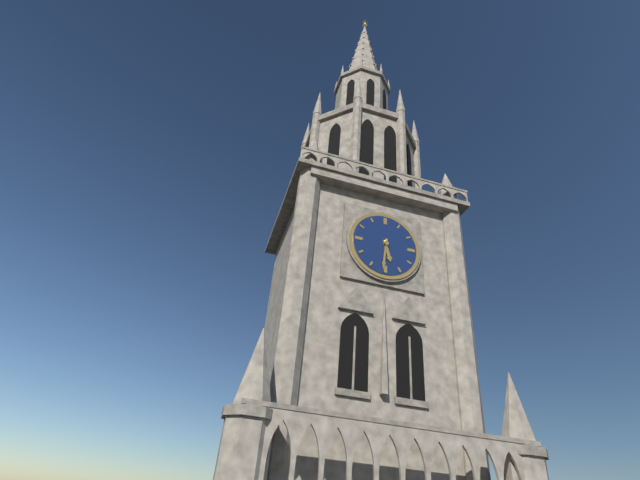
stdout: 5 h 31 min
